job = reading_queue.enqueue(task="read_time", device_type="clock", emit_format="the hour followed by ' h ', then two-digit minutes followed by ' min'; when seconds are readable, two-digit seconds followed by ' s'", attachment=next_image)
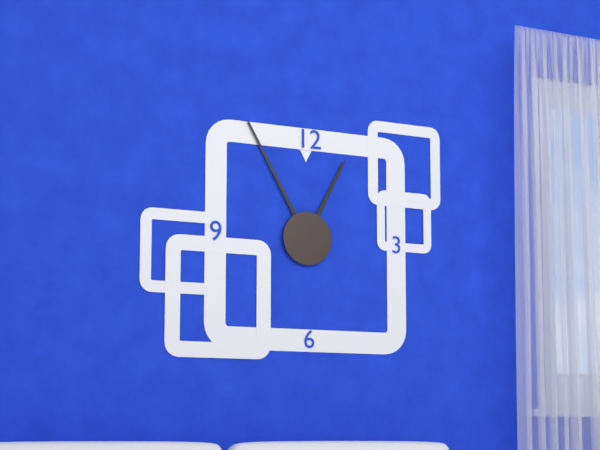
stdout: 12 h 55 min
